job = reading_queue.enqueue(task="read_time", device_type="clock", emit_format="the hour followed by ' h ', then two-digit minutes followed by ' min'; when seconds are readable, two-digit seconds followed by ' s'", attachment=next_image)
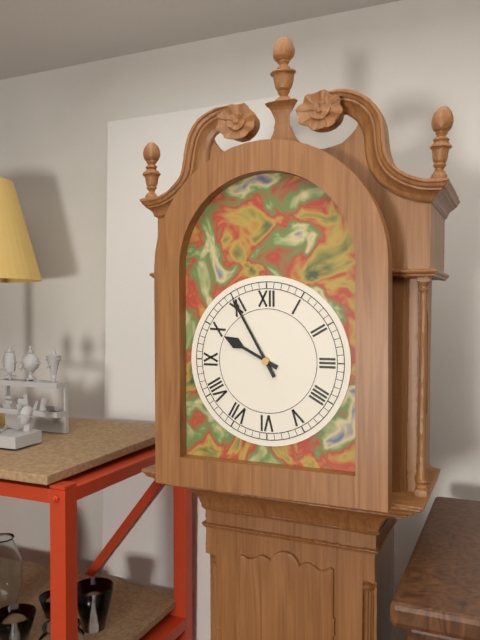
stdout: 9 h 55 min
